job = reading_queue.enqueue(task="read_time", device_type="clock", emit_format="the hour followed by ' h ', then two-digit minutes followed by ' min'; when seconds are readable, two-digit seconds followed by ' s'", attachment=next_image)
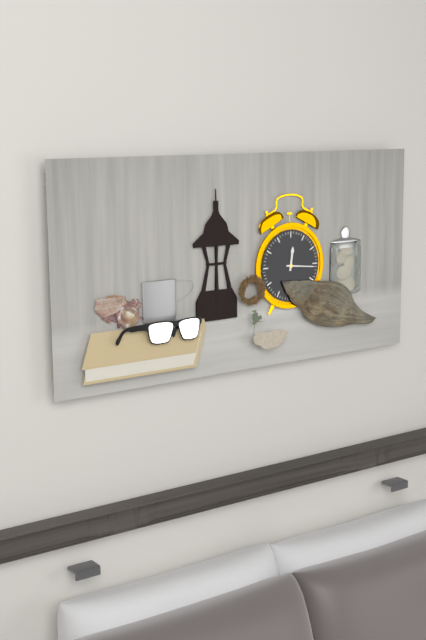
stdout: 12 h 16 min
